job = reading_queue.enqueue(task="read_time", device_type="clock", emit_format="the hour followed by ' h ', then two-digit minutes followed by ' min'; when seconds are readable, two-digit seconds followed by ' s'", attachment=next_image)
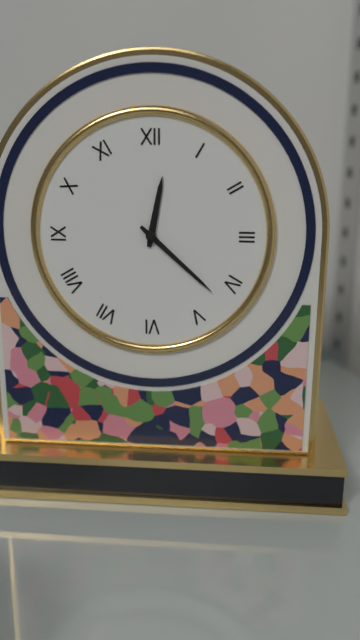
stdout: 12 h 22 min
